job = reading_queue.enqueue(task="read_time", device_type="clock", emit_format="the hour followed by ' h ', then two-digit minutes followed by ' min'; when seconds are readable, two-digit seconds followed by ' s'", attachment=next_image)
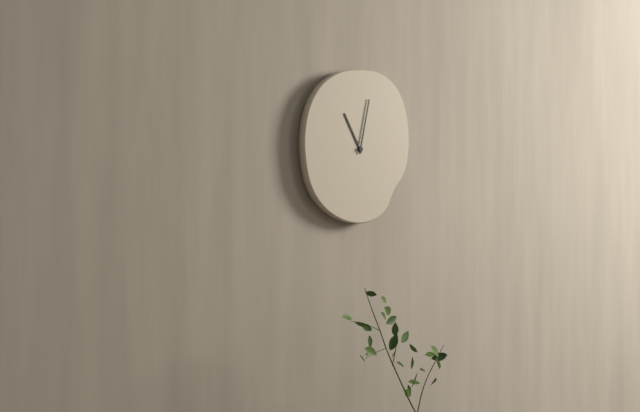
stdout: 11 h 02 min
